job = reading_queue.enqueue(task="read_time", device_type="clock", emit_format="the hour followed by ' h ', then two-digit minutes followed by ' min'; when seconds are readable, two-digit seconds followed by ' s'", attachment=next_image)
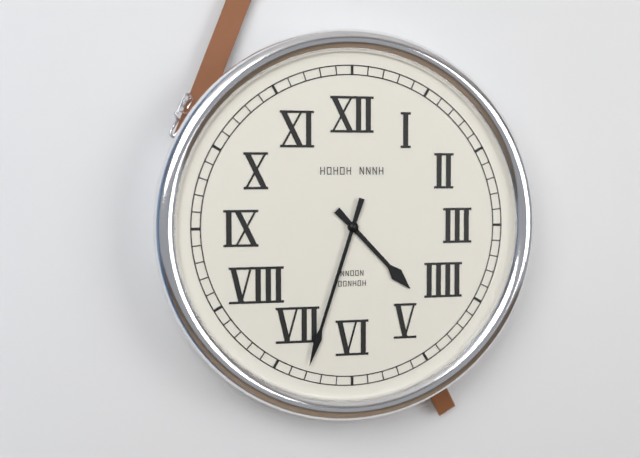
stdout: 4 h 33 min
